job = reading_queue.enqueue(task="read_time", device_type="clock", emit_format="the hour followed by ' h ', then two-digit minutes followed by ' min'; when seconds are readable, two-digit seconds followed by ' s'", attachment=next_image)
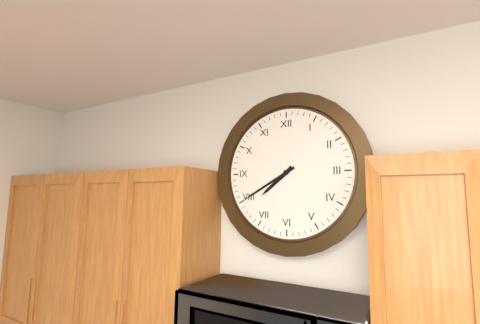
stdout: 7 h 40 min
